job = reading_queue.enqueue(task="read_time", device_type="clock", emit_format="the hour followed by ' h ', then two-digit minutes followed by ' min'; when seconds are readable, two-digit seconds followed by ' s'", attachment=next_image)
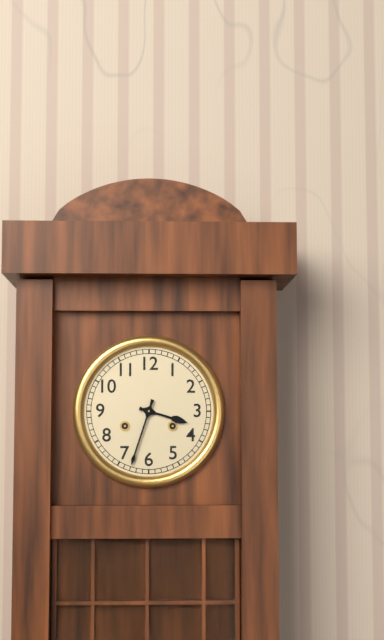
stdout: 3 h 33 min
